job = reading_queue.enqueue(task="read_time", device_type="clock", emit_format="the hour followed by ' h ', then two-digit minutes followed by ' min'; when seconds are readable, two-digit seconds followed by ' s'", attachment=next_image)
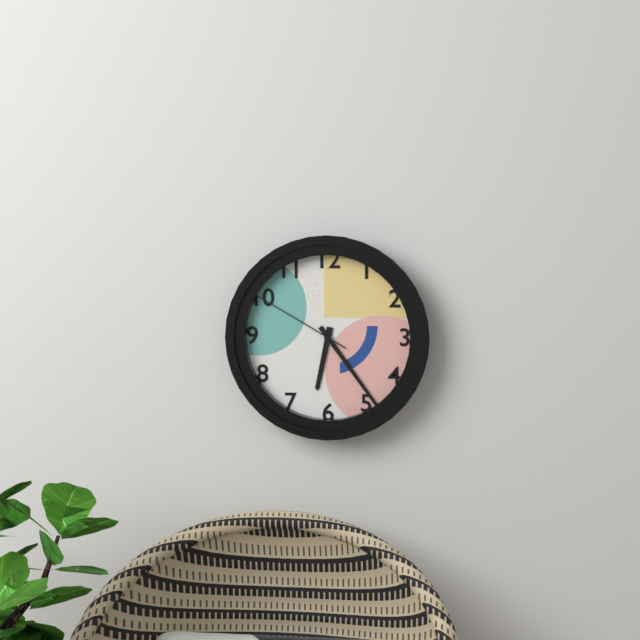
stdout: 6 h 24 min 50 s
